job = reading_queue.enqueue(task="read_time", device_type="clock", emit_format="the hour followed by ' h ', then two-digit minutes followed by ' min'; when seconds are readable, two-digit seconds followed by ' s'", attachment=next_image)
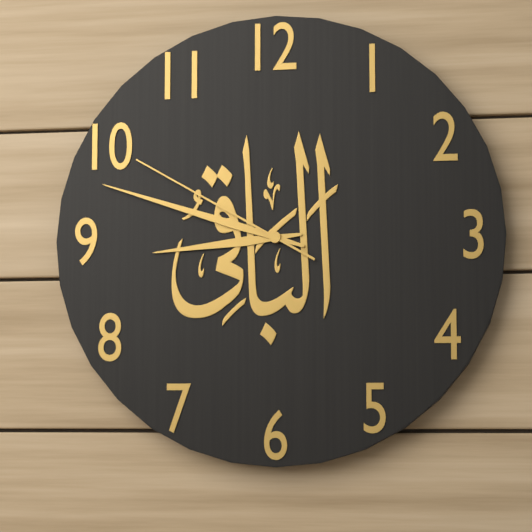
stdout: 8 h 48 min 50 s
